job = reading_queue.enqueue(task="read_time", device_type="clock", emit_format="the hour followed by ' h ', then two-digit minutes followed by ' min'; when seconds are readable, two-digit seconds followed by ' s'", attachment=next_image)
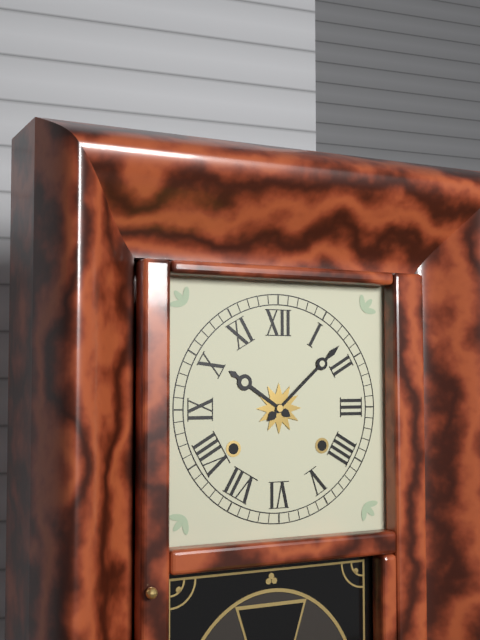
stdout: 10 h 08 min
